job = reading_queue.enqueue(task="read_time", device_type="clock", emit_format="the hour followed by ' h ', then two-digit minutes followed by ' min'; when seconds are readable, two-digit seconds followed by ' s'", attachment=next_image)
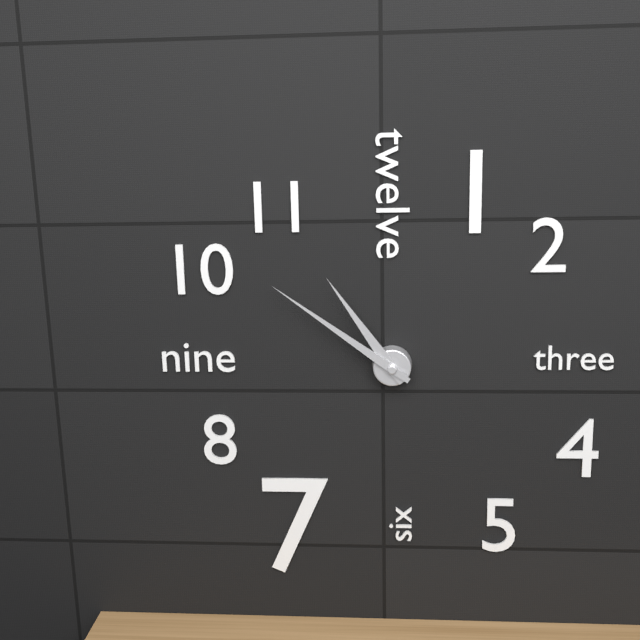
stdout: 10 h 51 min
